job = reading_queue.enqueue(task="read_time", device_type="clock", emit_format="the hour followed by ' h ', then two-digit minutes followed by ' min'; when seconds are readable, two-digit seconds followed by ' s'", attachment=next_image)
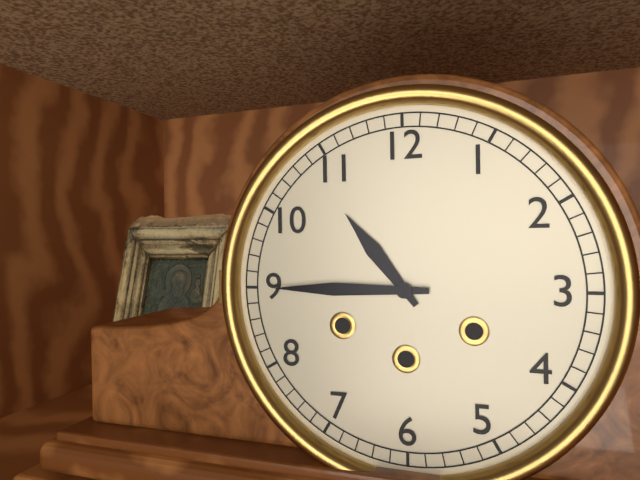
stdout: 10 h 45 min
